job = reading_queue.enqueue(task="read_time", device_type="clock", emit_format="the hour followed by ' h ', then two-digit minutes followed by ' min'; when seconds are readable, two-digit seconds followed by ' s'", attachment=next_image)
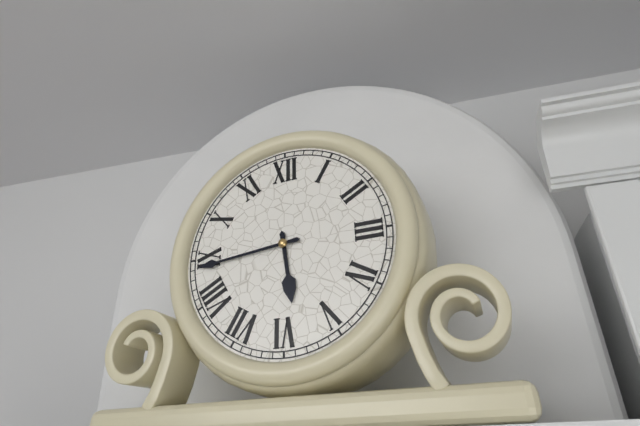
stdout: 5 h 44 min
